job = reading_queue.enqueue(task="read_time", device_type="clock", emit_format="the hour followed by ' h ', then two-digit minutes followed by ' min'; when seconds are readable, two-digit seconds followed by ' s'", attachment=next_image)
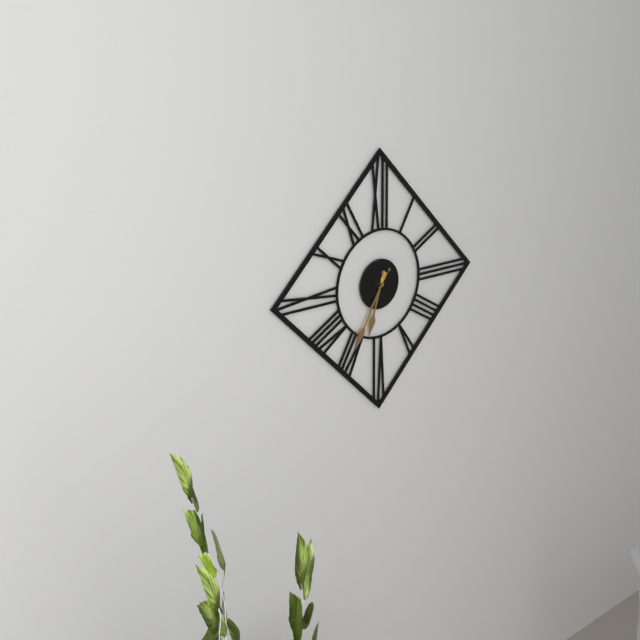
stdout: 6 h 35 min 36 s
